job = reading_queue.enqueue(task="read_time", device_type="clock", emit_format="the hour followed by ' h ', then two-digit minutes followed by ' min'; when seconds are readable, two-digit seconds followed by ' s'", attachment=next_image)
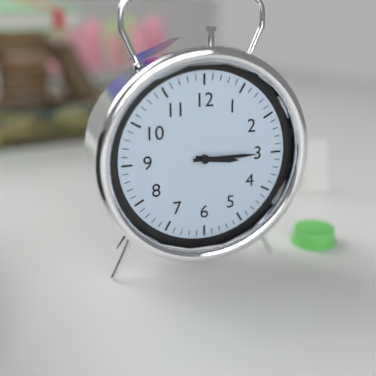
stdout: 3 h 15 min
